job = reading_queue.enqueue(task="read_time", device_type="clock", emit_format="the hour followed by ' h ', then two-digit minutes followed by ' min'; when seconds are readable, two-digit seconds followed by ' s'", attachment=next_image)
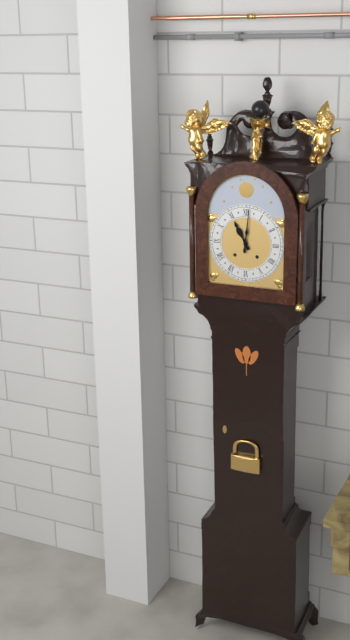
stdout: 11 h 01 min
